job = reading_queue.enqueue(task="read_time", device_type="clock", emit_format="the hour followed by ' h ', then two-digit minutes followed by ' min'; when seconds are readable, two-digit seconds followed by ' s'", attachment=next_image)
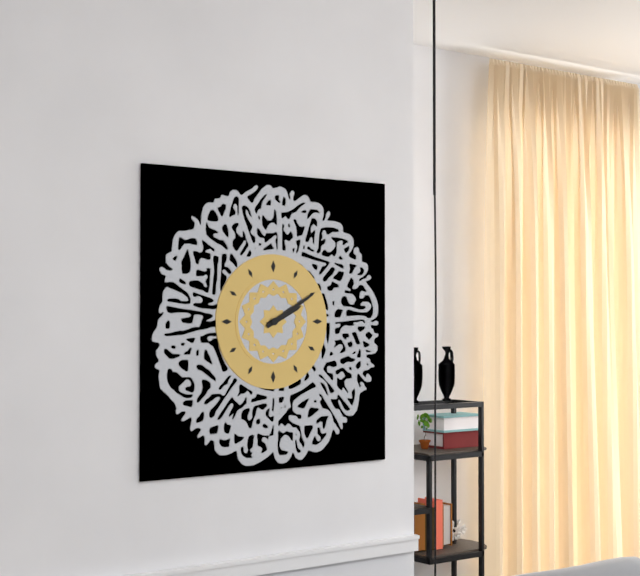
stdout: 2 h 10 min
